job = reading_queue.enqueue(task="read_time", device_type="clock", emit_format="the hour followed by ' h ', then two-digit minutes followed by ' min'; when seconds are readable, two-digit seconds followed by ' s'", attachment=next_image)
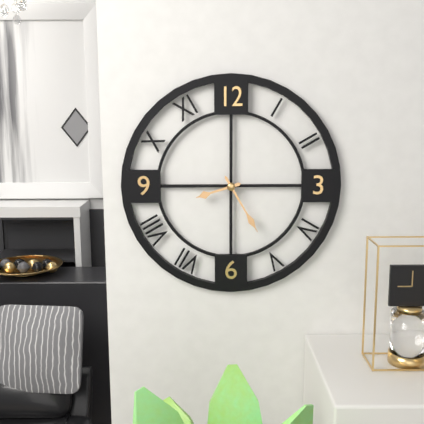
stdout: 8 h 25 min
